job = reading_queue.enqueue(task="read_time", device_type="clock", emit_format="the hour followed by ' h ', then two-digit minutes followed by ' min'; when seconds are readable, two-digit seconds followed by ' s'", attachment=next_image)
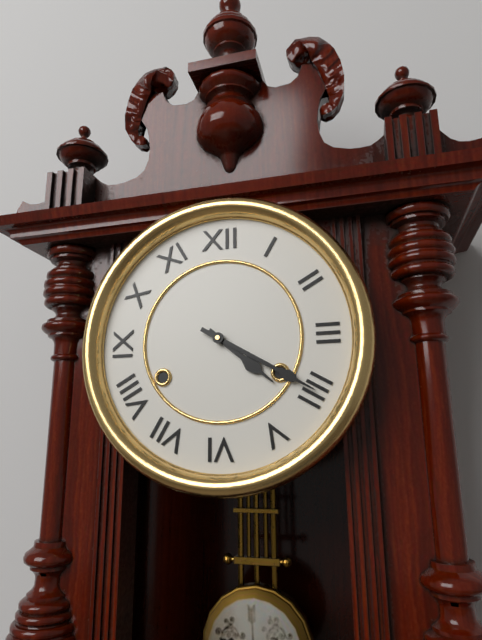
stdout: 4 h 20 min
